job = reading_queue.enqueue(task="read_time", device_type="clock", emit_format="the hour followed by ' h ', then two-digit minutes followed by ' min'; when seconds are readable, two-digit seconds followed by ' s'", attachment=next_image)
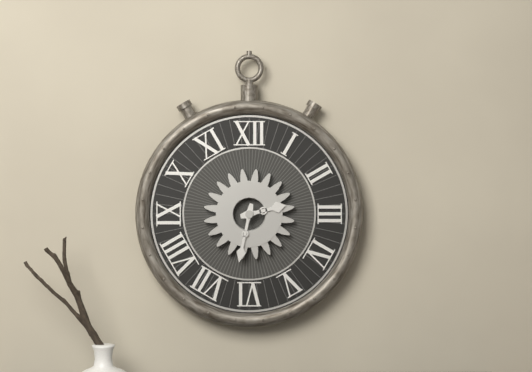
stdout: 2 h 32 min
